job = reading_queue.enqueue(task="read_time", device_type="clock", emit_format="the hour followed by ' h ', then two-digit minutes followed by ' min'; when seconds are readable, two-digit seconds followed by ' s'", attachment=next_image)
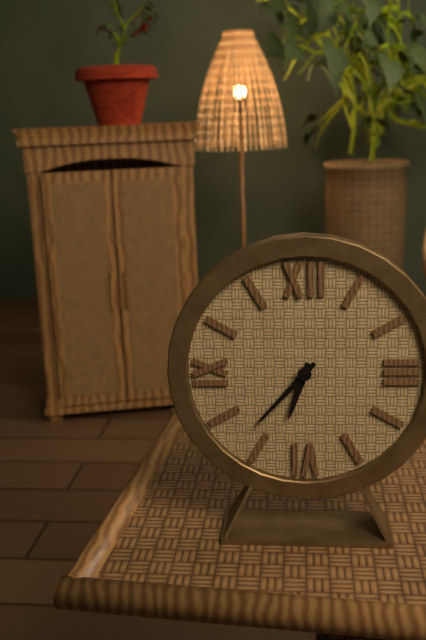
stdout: 6 h 37 min
